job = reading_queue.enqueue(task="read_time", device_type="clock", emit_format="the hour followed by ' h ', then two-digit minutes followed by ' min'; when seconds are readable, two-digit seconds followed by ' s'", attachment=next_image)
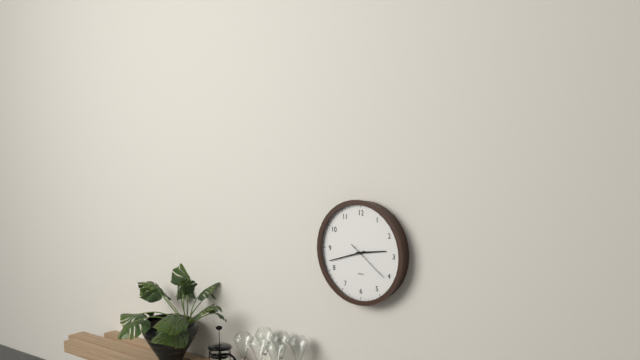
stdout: 2 h 42 min
